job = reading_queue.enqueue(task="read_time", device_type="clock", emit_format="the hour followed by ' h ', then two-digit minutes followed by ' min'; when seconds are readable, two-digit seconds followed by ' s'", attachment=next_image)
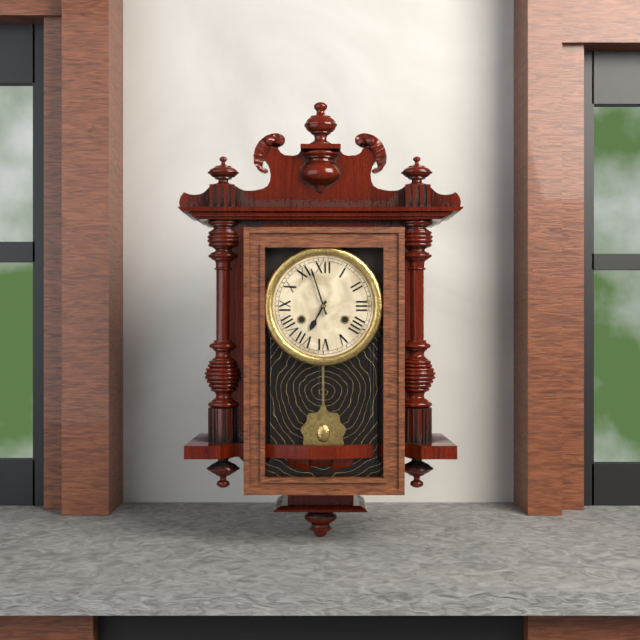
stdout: 6 h 57 min
